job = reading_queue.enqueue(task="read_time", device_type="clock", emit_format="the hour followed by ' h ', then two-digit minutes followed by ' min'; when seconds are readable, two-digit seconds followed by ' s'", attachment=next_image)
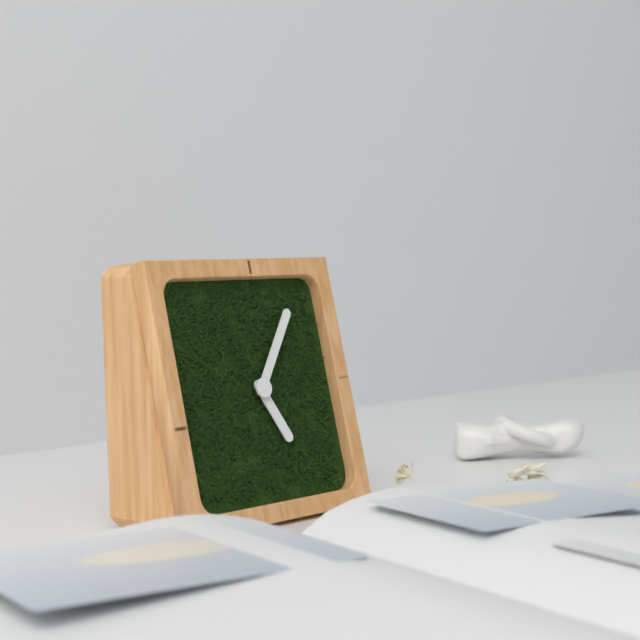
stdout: 5 h 06 min
